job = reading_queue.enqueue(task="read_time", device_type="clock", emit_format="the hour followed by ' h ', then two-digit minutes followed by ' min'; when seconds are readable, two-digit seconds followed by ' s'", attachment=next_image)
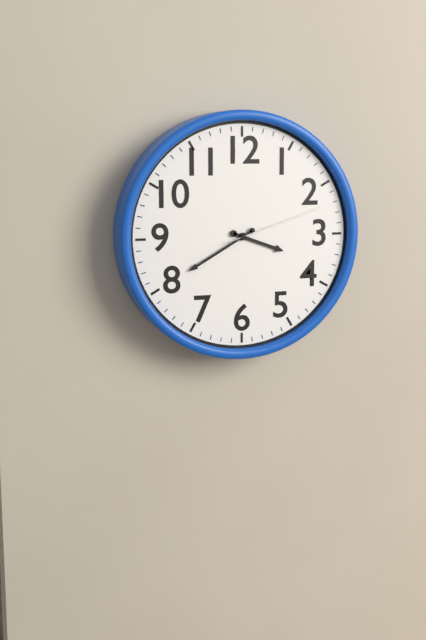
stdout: 3 h 40 min 12 s
